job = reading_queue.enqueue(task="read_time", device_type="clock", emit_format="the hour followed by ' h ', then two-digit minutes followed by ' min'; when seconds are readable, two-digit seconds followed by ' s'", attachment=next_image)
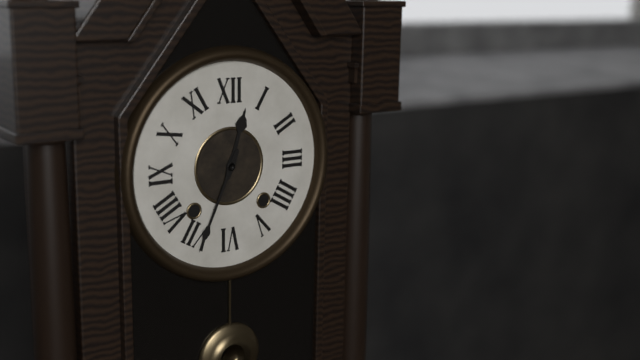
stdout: 12 h 34 min
